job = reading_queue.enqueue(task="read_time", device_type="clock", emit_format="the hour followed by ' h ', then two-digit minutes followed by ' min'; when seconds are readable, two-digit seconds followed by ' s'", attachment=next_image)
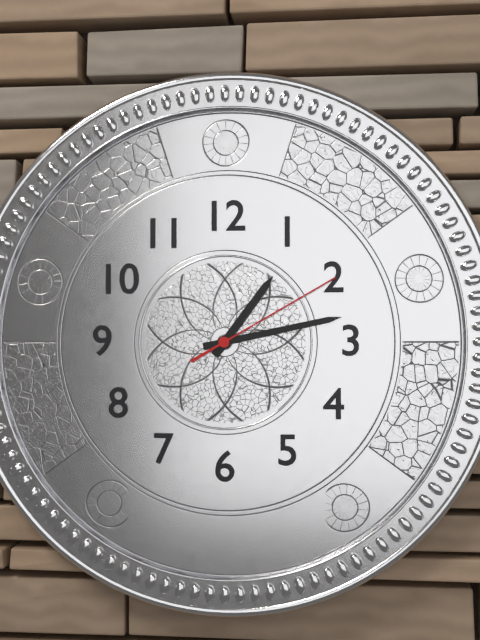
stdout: 1 h 13 min 10 s
